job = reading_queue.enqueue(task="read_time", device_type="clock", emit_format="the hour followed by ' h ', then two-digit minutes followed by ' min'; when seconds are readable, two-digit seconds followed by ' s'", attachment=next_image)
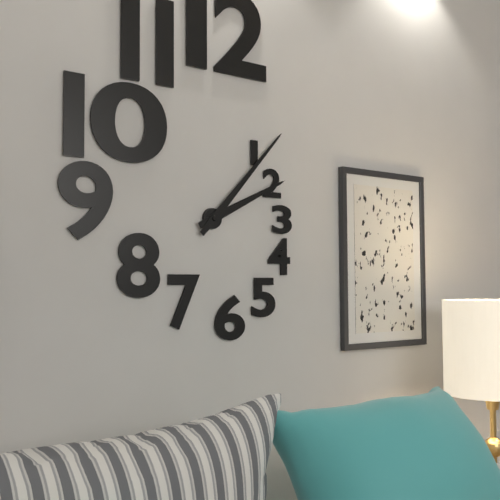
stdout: 2 h 07 min
